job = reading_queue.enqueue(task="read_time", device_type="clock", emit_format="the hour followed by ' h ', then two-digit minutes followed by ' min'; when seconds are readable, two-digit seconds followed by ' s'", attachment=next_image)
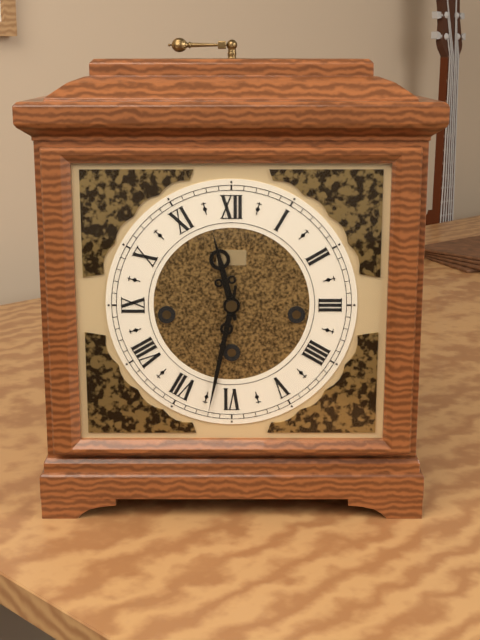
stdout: 11 h 32 min
